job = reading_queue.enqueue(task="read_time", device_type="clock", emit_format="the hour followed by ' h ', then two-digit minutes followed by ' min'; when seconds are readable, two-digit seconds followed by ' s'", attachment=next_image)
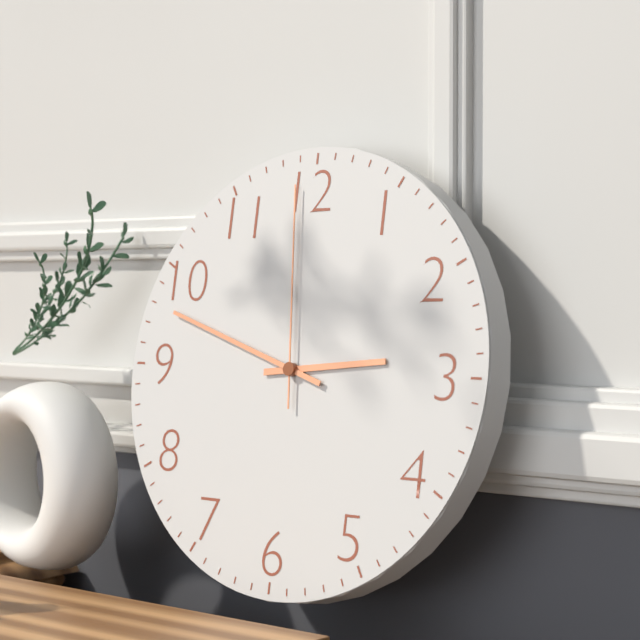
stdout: 2 h 48 min 59 s
